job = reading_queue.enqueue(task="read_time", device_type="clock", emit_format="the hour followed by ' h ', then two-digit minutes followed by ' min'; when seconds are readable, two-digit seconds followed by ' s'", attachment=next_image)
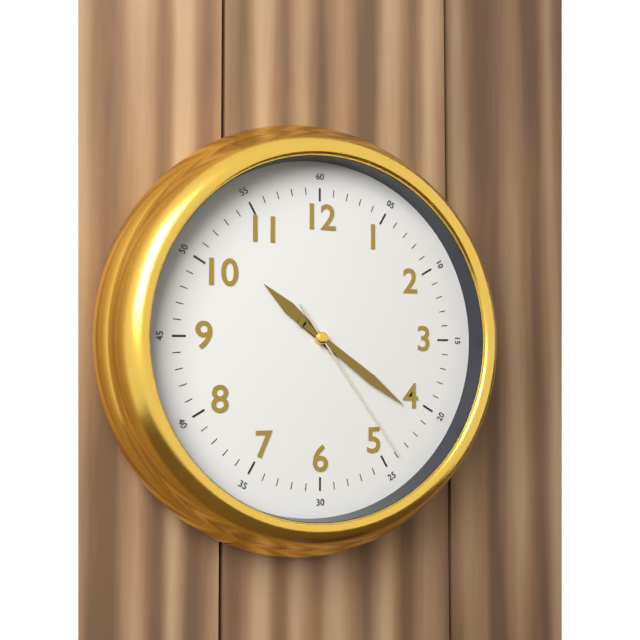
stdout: 10 h 21 min 24 s
